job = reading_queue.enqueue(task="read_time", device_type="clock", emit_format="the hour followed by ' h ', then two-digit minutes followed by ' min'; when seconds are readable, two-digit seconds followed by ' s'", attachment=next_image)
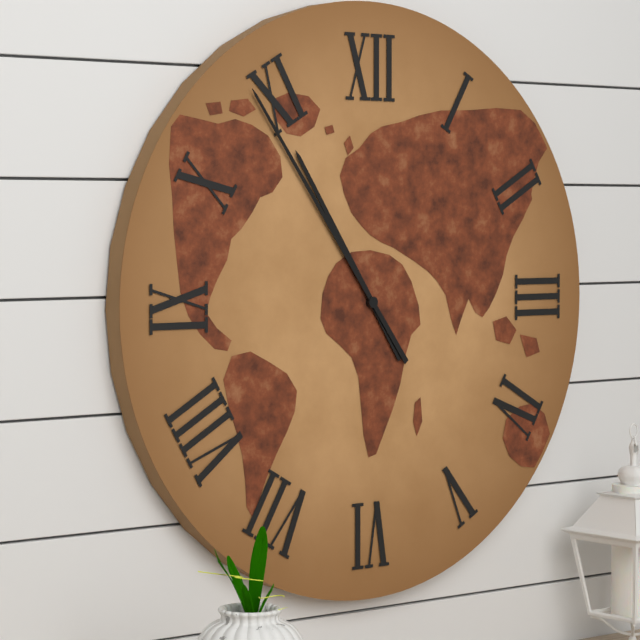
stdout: 10 h 54 min
